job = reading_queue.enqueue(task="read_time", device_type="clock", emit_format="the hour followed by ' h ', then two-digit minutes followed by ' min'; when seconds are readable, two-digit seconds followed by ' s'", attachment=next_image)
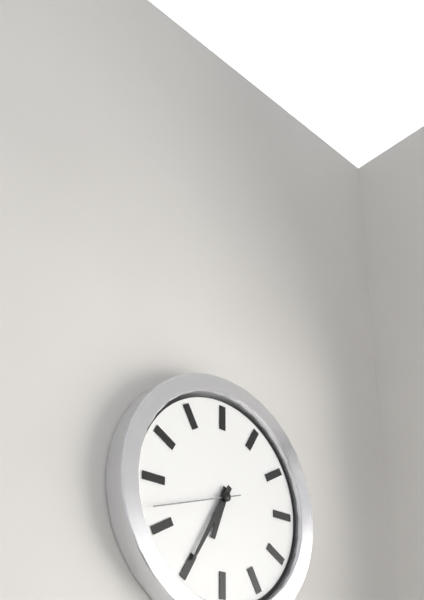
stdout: 6 h 35 min 42 s
